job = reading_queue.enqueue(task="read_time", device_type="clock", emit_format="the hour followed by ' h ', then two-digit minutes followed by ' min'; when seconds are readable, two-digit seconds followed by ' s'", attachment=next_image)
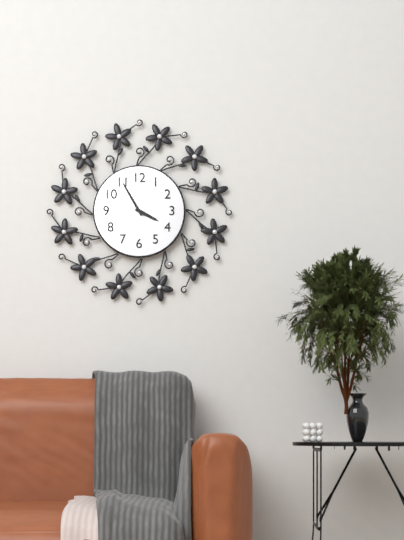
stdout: 3 h 55 min
